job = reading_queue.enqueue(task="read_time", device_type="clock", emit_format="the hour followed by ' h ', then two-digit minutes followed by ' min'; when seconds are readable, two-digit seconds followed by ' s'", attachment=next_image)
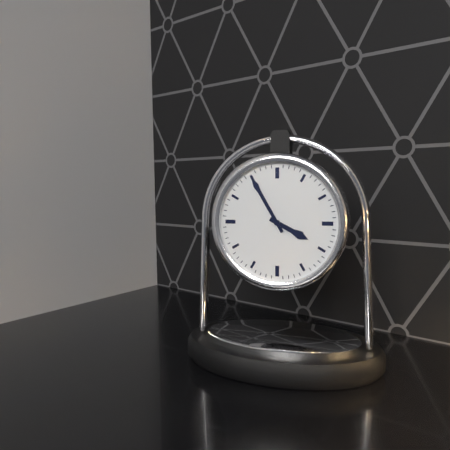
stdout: 3 h 55 min
